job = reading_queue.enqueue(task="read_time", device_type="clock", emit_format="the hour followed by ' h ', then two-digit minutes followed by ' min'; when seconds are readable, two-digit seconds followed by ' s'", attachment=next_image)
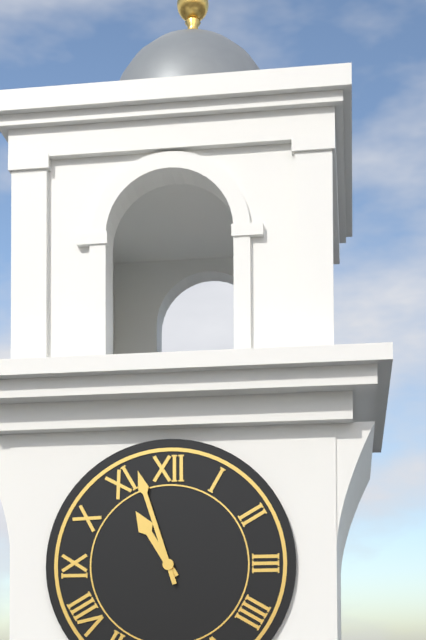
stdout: 10 h 57 min
